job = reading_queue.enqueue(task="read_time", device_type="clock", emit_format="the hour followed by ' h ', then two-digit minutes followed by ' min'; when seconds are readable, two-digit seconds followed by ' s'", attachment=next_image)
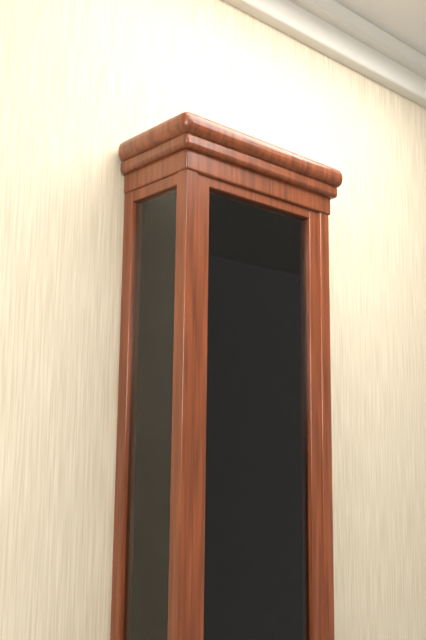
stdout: 9 h 18 min
